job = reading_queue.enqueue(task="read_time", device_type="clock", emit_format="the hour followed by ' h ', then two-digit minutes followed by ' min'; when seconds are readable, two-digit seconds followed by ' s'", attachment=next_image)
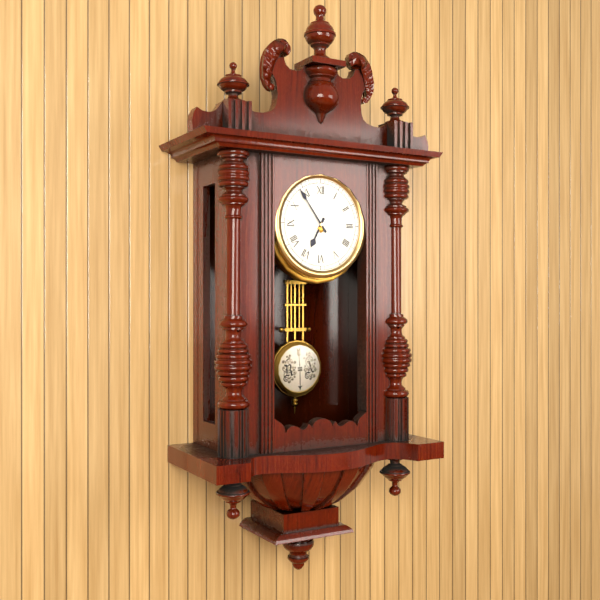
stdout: 6 h 54 min
